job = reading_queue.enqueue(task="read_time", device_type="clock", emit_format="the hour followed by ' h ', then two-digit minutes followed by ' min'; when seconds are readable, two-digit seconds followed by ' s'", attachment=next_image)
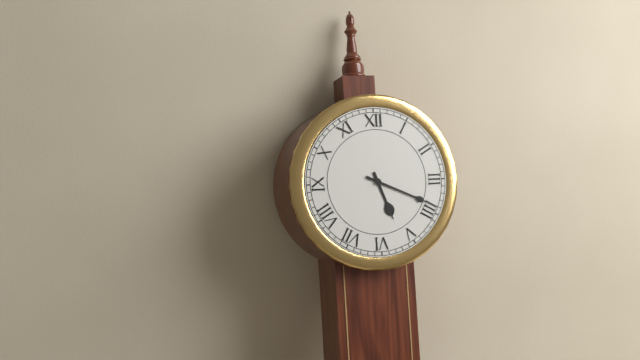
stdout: 5 h 19 min
